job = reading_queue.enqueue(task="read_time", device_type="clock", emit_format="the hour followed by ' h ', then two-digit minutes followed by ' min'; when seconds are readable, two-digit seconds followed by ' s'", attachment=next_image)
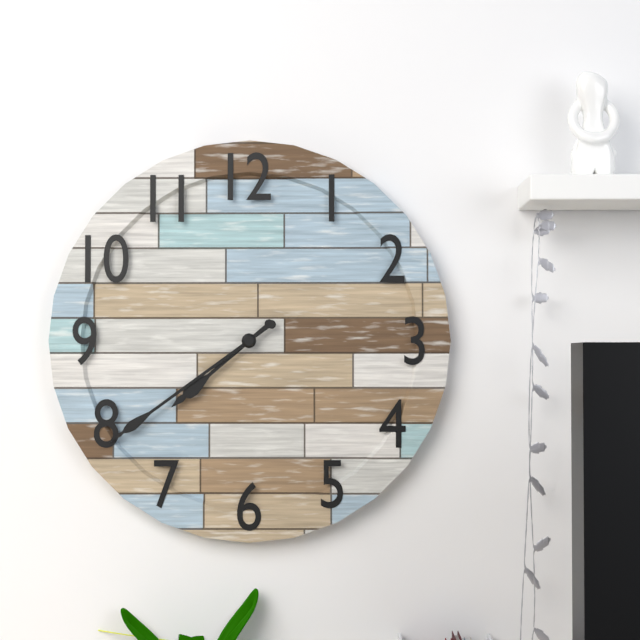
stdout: 7 h 39 min
